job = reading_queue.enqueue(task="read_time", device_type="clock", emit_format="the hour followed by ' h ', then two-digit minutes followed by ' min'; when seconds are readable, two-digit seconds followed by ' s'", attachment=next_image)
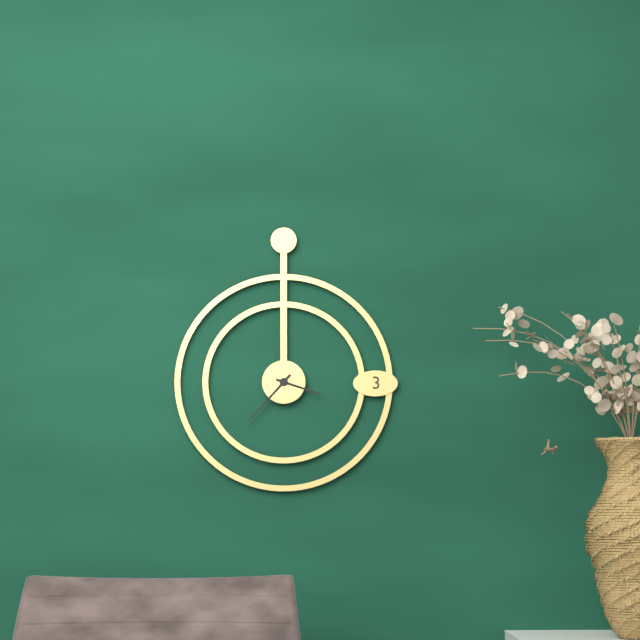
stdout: 3 h 37 min
